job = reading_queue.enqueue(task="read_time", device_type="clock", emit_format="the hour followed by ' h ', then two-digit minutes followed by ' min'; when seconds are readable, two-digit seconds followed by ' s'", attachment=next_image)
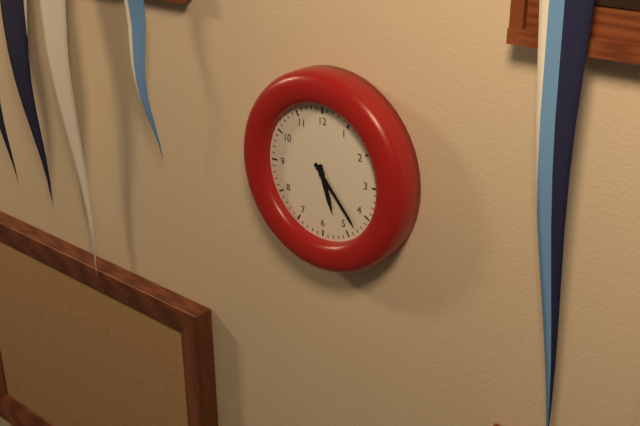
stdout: 5 h 23 min
